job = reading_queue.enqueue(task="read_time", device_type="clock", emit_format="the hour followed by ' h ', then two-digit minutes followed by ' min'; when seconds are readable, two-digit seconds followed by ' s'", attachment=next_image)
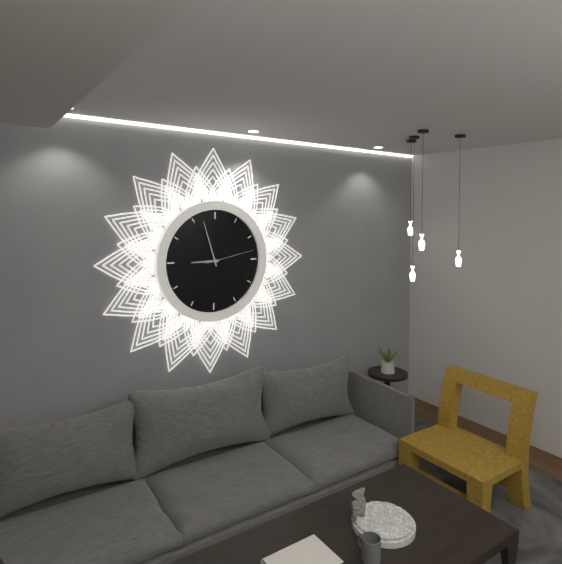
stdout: 8 h 57 min
